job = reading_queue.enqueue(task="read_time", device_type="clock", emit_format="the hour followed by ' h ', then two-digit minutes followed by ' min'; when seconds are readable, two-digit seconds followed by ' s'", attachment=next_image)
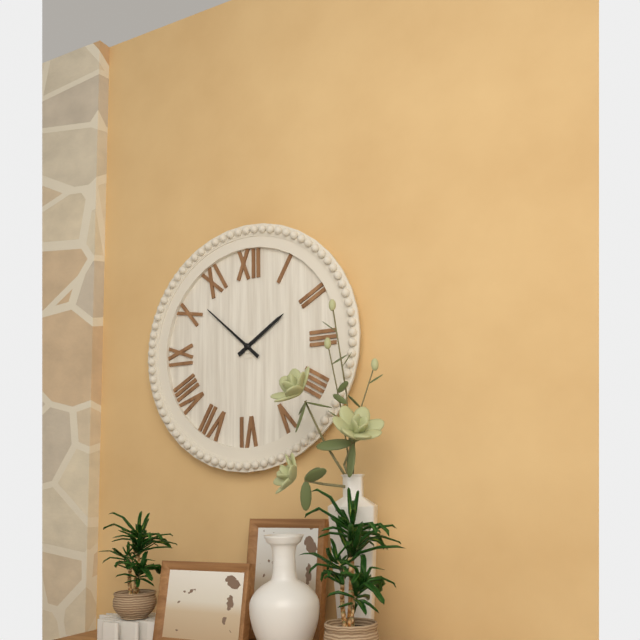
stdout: 1 h 52 min
